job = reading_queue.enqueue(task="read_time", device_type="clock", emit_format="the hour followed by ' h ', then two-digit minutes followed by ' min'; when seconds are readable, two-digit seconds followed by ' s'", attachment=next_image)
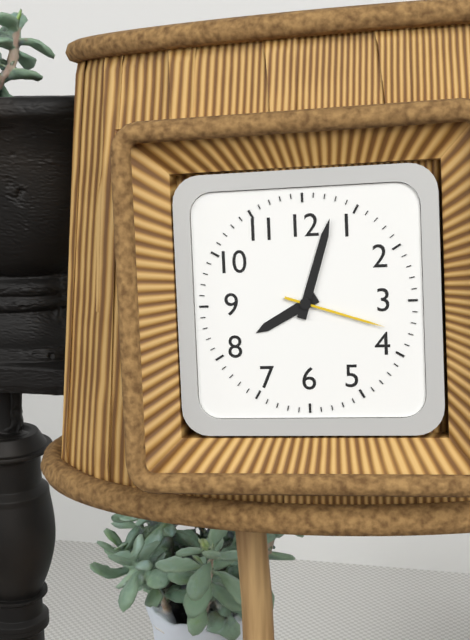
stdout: 8 h 03 min 18 s
